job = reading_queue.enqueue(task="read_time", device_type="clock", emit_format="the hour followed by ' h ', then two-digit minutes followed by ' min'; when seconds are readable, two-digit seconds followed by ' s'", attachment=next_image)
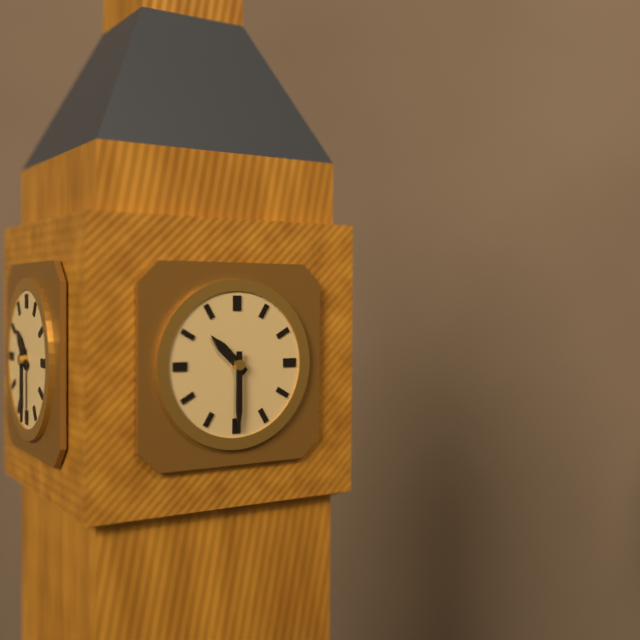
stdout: 10 h 30 min
